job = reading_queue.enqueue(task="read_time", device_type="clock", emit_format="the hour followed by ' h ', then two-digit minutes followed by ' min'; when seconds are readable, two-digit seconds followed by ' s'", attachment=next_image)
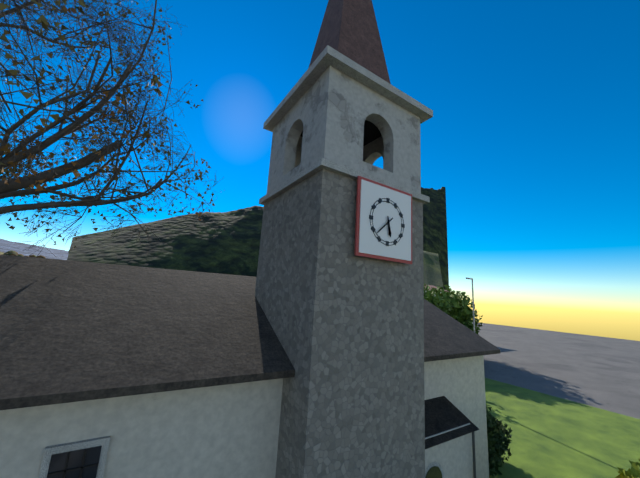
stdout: 5 h 38 min
